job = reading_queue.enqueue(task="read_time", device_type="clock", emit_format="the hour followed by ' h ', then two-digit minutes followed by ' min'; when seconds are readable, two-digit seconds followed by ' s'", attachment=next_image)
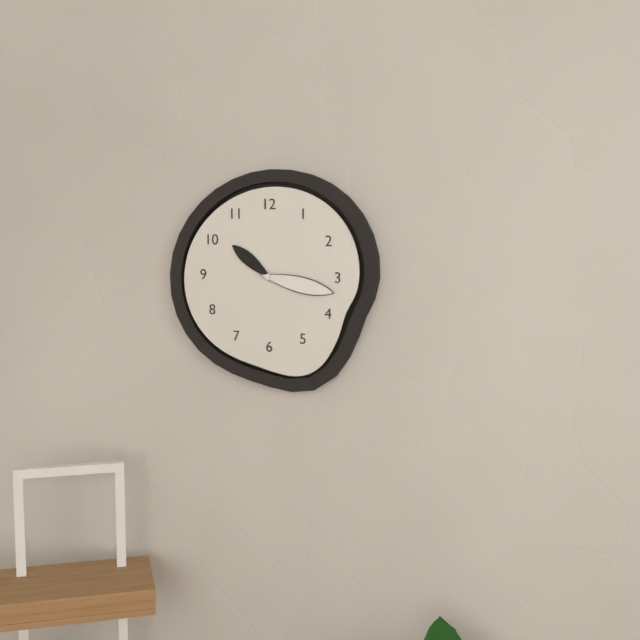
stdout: 10 h 17 min
